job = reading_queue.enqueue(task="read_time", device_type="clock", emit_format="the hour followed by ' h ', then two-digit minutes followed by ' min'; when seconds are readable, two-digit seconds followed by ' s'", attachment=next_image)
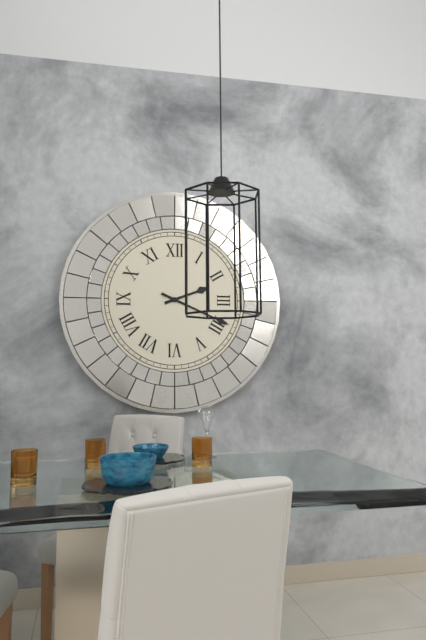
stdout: 2 h 19 min
